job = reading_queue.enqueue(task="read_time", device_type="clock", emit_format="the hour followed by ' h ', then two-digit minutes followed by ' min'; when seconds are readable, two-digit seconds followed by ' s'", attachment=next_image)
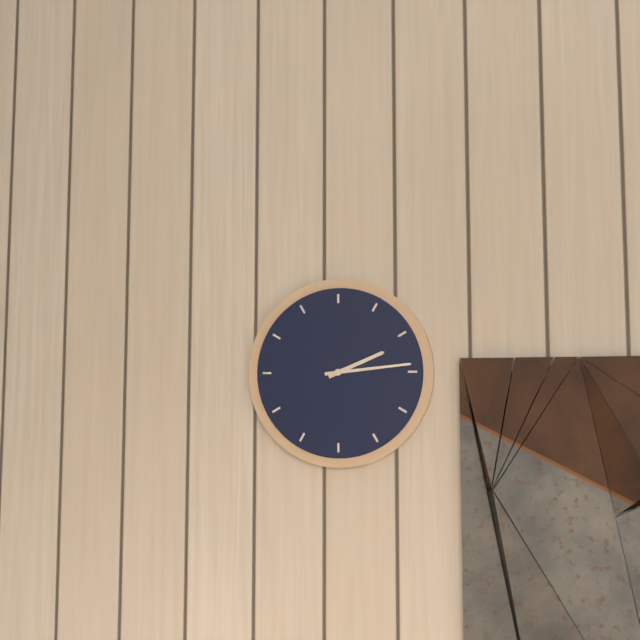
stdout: 2 h 14 min
